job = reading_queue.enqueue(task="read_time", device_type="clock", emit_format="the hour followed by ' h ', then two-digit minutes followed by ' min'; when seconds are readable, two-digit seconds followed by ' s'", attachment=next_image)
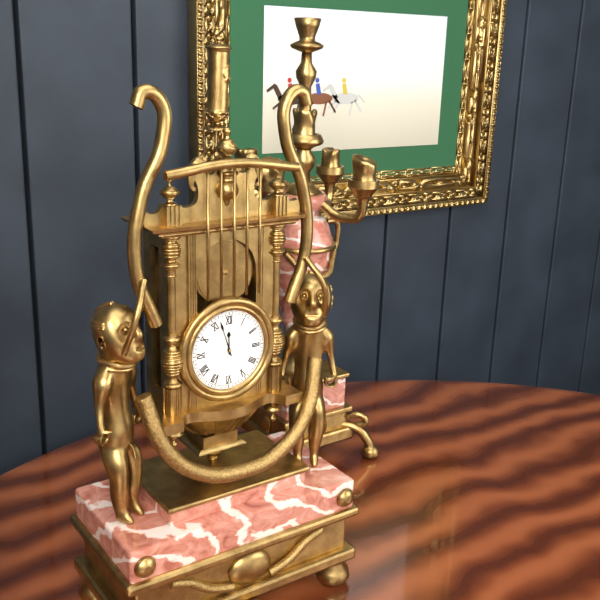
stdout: 11 h 57 min
